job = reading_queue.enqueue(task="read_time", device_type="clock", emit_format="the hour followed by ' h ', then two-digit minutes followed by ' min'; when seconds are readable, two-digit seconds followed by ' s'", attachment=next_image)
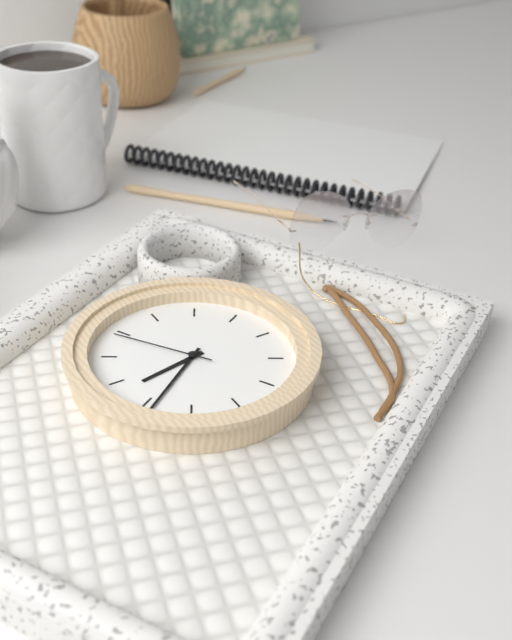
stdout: 8 h 39 min 54 s
